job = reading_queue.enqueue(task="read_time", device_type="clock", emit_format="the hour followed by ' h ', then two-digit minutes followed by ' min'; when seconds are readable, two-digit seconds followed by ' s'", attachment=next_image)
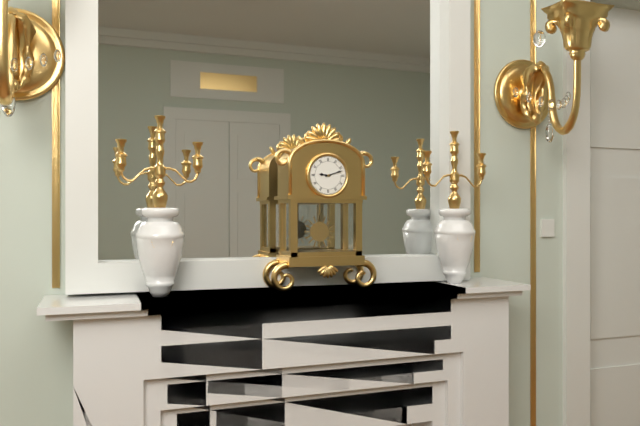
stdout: 9 h 12 min
